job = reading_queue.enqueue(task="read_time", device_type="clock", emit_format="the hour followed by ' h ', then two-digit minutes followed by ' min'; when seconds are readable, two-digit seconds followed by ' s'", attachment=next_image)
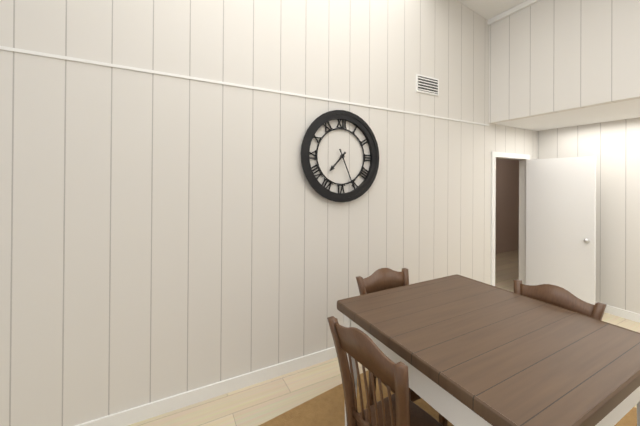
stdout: 7 h 26 min
